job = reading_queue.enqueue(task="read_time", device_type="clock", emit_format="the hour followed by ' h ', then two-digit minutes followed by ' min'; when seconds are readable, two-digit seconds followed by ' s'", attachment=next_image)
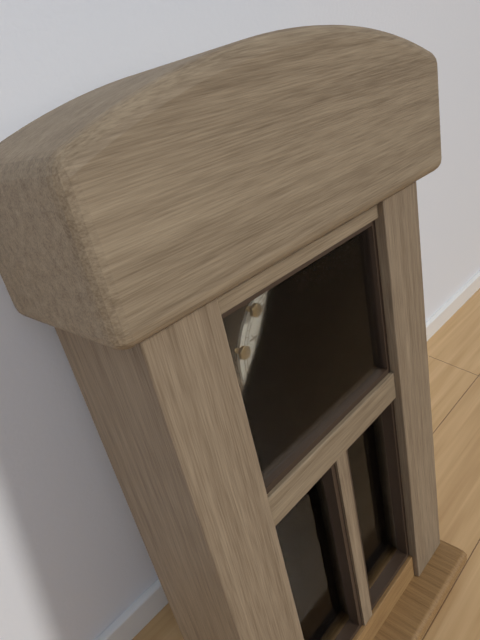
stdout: 3 h 39 min
